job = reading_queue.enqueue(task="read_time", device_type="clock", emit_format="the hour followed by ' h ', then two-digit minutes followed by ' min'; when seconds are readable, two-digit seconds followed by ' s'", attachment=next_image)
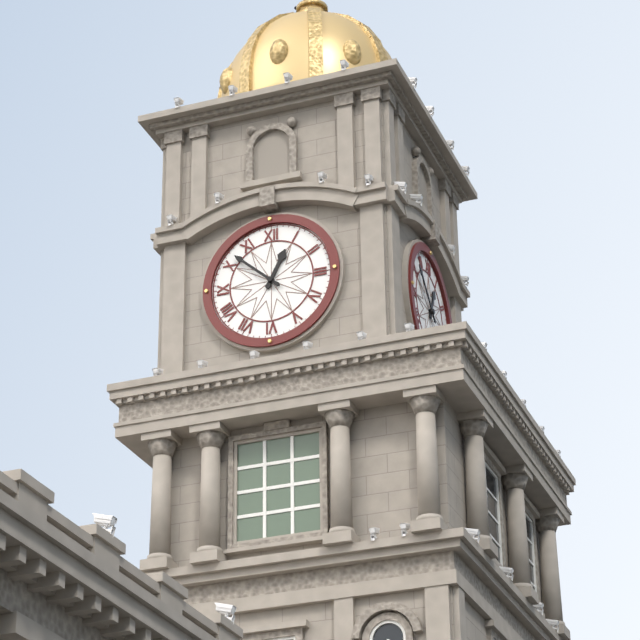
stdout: 12 h 52 min
